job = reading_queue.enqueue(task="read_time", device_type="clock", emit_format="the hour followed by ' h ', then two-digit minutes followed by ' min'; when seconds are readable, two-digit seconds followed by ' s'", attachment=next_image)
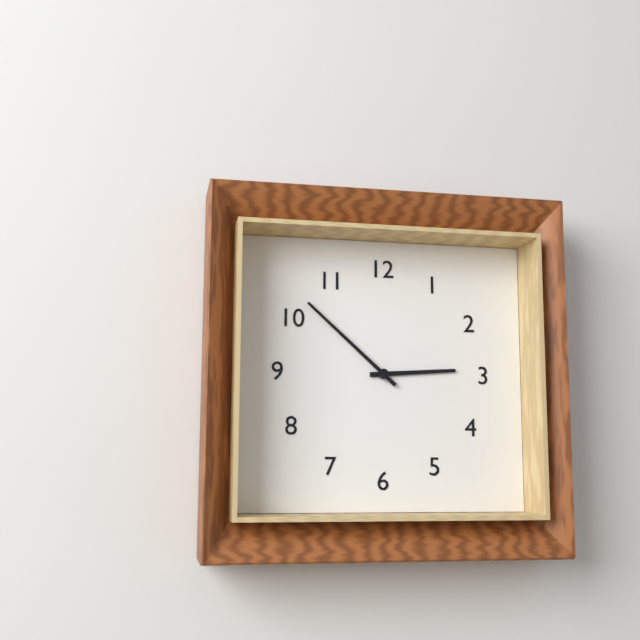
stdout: 2 h 52 min
